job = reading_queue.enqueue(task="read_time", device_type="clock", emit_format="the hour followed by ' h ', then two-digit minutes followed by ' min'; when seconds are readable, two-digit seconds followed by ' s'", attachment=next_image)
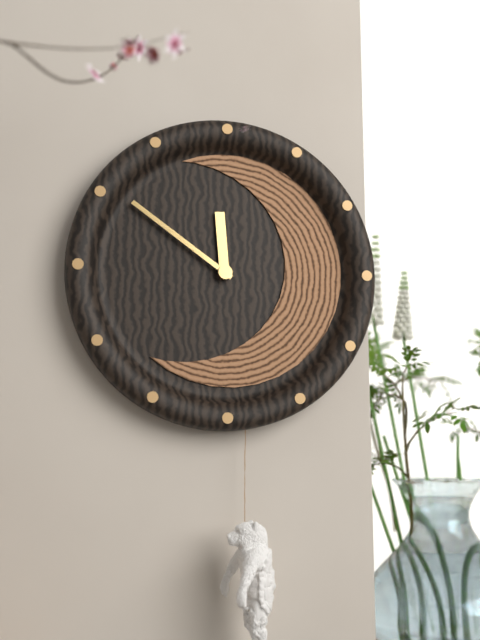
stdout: 11 h 51 min
